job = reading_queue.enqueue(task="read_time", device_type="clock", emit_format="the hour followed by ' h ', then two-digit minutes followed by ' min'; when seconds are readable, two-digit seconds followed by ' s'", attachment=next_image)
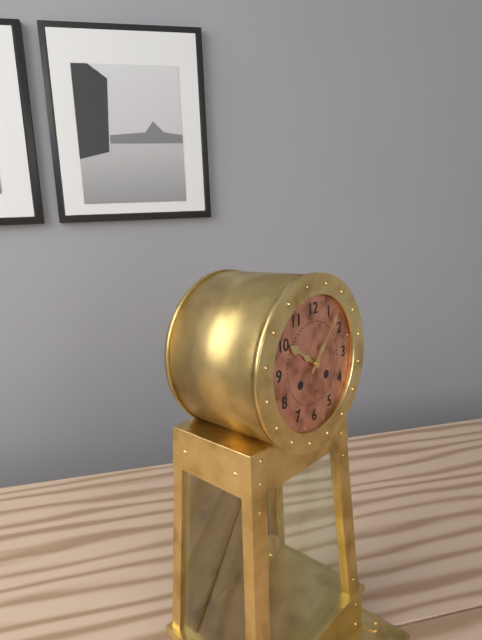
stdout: 10 h 07 min
